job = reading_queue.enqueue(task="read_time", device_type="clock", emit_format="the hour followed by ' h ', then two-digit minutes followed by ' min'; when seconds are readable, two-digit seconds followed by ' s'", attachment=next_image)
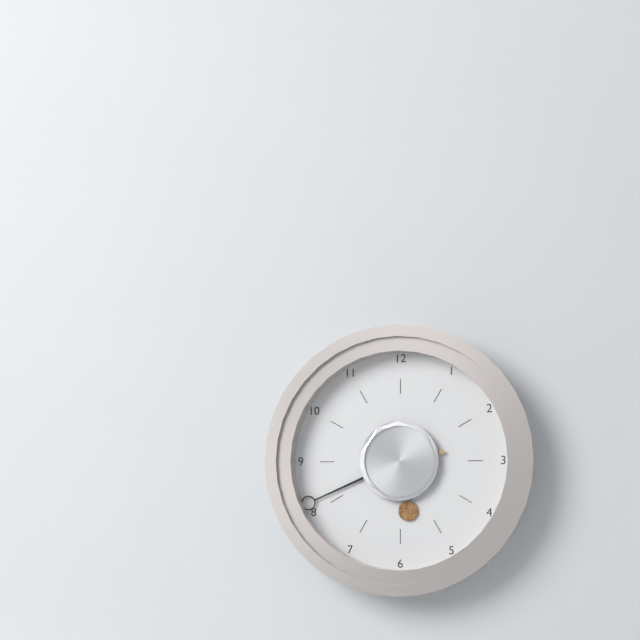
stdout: 5 h 41 min
